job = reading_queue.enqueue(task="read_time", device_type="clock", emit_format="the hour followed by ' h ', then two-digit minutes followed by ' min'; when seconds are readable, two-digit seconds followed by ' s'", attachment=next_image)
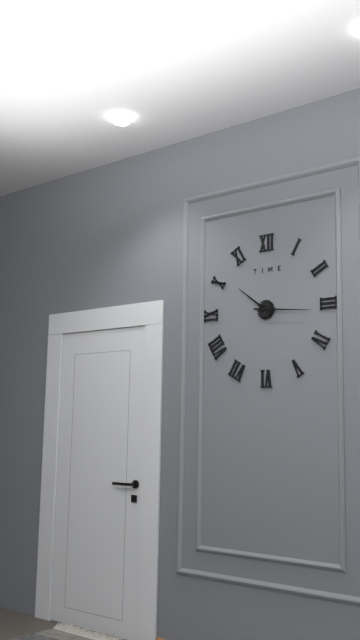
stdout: 10 h 16 min
